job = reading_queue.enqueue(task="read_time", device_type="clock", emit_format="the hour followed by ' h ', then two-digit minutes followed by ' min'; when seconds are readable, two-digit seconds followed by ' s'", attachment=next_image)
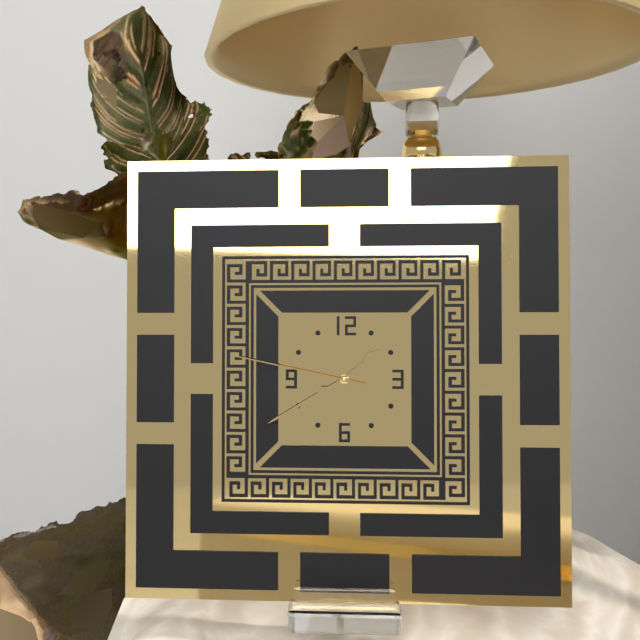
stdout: 1 h 40 min 47 s
